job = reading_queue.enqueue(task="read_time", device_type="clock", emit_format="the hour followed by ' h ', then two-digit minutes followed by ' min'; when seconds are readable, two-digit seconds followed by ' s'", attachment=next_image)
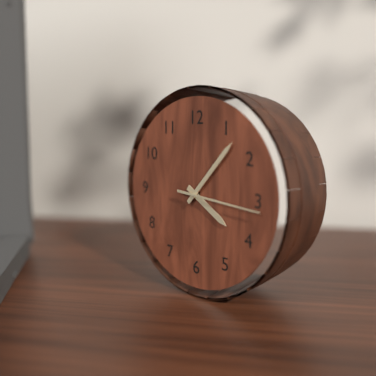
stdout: 4 h 07 min 16 s
